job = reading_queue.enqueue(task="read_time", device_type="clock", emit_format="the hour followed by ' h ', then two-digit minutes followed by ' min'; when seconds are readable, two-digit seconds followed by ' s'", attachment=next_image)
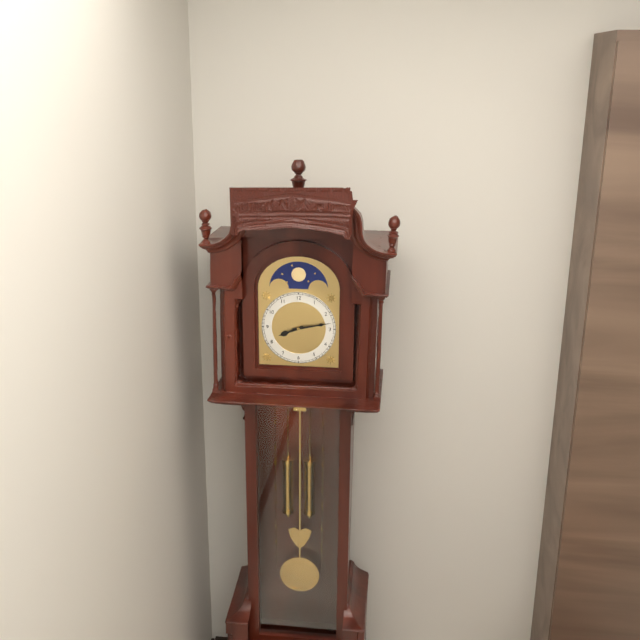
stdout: 8 h 13 min
